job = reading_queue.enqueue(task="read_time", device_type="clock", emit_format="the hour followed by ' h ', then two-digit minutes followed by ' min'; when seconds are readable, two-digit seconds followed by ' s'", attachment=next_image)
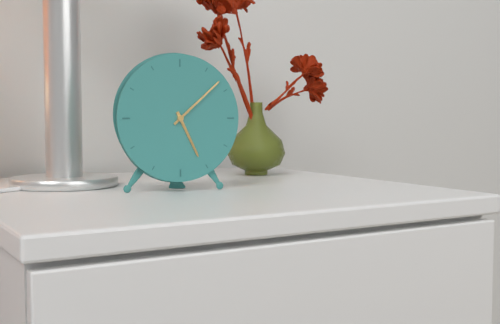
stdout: 5 h 08 min
